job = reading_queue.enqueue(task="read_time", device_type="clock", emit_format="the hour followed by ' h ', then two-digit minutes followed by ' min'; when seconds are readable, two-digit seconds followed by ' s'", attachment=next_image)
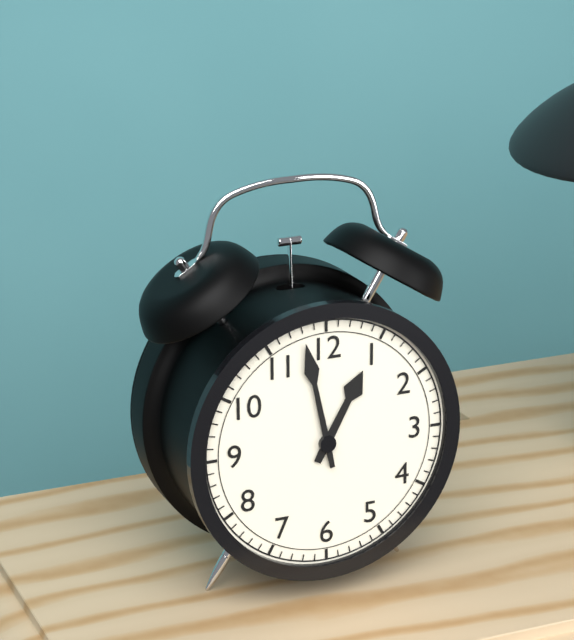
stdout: 12 h 58 min
